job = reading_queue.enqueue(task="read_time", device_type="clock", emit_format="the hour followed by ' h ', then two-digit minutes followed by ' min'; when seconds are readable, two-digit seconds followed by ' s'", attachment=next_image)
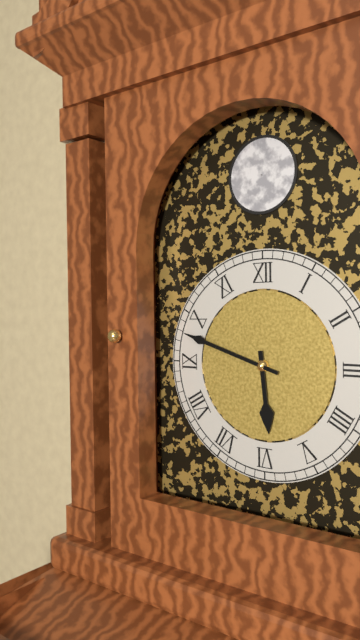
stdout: 5 h 48 min
